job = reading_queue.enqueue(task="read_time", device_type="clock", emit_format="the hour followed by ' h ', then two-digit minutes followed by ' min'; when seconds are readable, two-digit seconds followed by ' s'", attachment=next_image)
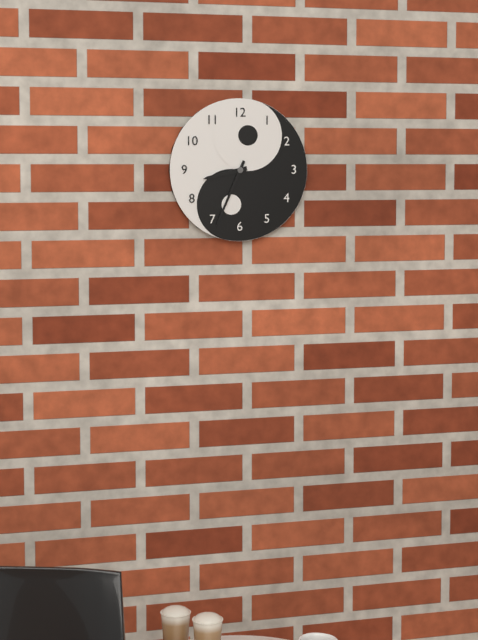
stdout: 8 h 34 min
